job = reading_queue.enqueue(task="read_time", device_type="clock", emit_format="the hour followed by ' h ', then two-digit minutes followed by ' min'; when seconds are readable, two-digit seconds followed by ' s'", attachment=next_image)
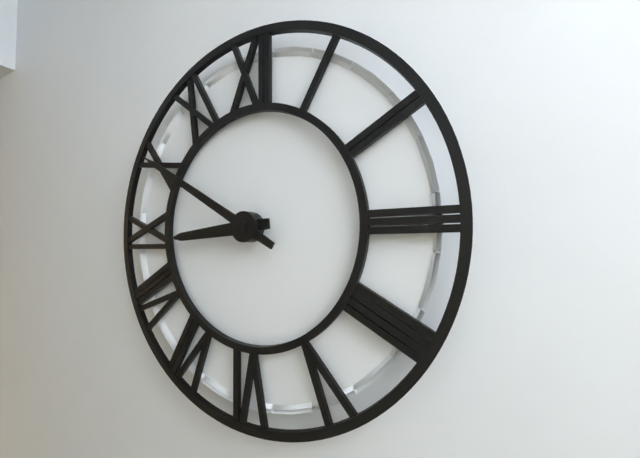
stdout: 8 h 50 min
